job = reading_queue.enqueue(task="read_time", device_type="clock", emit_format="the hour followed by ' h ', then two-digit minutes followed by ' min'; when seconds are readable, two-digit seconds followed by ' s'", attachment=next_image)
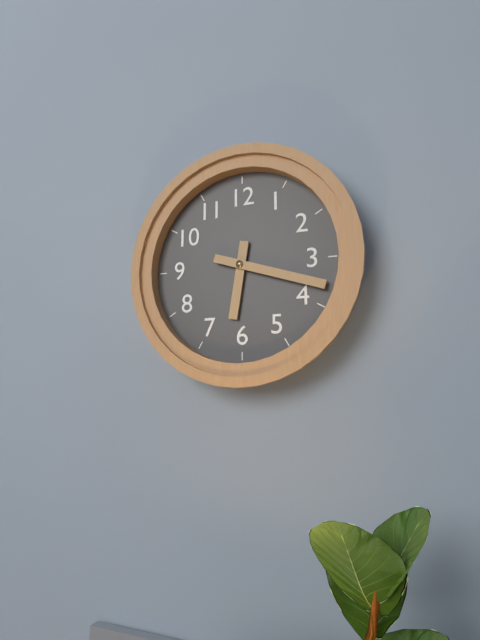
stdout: 6 h 18 min
